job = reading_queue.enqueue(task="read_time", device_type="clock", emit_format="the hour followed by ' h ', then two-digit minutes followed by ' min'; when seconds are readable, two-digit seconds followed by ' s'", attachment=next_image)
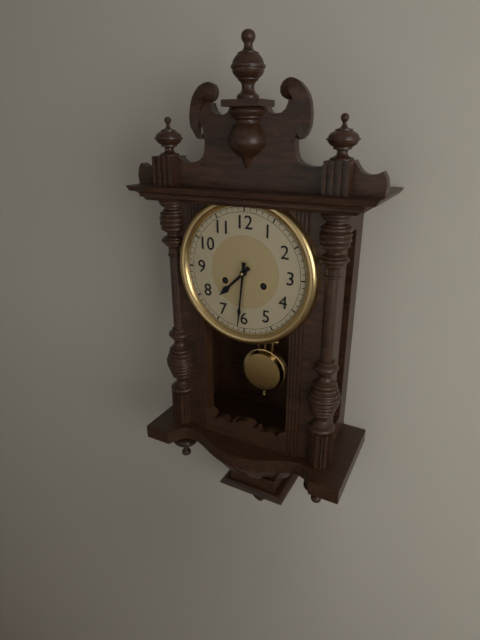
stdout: 7 h 31 min
